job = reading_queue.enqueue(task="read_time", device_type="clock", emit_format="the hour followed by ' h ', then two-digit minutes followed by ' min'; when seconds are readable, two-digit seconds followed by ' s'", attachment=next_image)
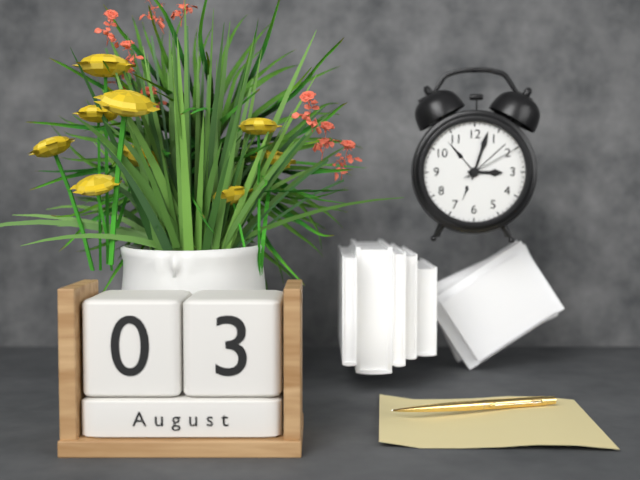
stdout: 3 h 03 min 10 s
